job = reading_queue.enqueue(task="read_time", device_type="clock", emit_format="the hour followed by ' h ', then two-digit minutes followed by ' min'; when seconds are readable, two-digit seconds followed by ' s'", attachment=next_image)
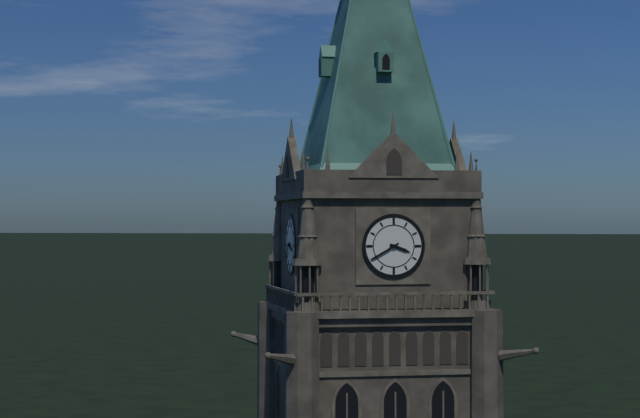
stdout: 3 h 40 min
